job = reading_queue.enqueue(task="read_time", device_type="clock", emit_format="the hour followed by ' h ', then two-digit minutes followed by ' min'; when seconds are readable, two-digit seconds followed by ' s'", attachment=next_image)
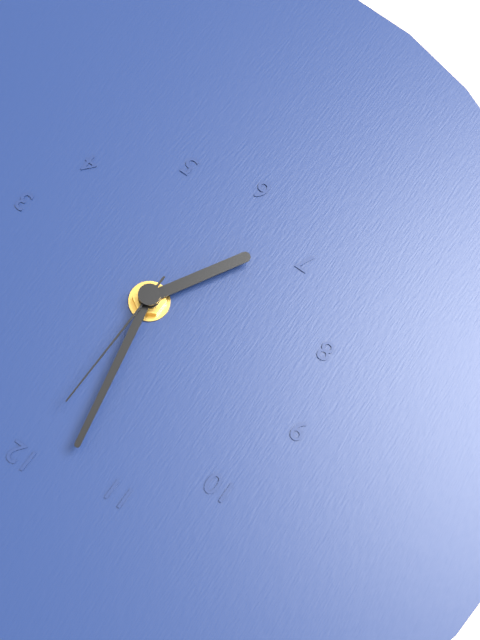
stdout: 6 h 58 min 00 s
